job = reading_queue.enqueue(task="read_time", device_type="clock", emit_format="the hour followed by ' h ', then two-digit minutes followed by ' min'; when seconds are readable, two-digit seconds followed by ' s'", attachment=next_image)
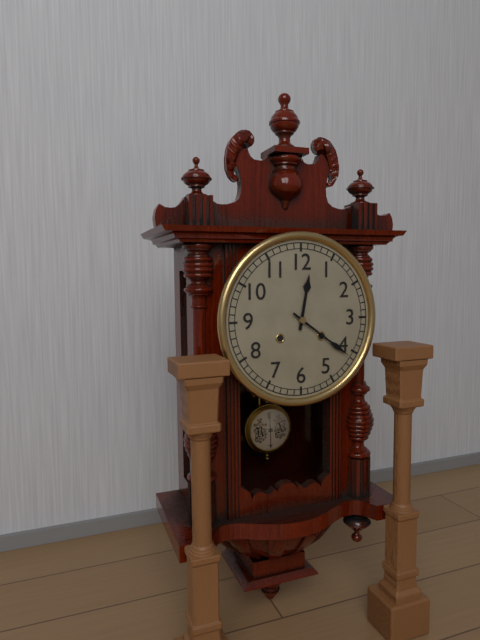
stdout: 12 h 21 min
